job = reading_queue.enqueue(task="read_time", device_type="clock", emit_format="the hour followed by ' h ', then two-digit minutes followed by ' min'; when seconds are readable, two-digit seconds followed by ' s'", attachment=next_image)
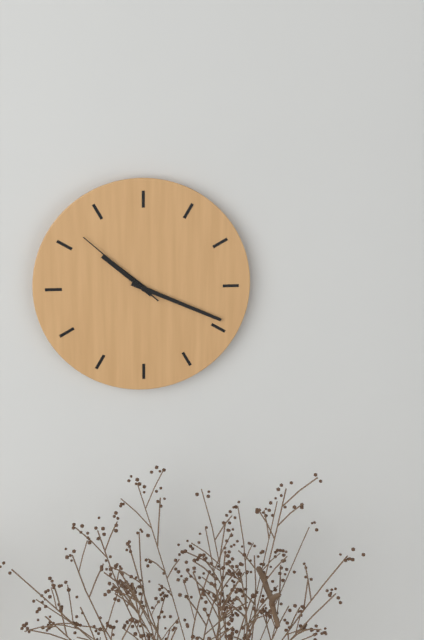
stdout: 10 h 19 min 52 s
